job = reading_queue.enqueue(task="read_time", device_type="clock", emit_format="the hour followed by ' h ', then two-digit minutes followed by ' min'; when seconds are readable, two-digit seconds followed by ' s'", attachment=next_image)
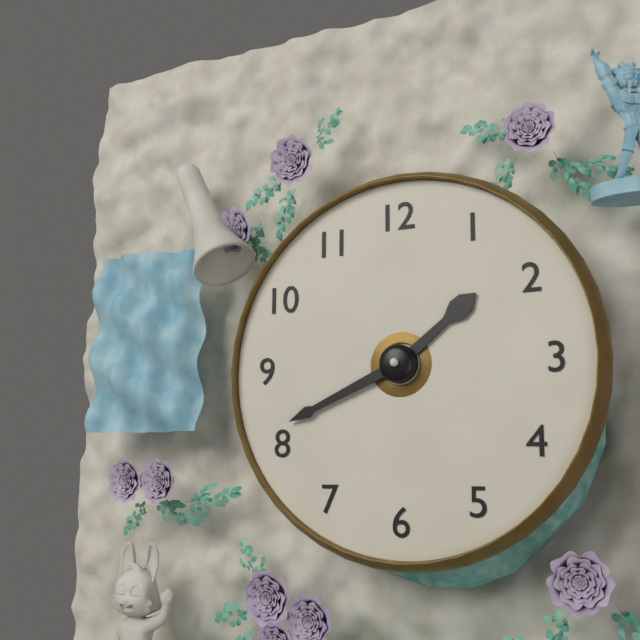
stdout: 1 h 41 min
